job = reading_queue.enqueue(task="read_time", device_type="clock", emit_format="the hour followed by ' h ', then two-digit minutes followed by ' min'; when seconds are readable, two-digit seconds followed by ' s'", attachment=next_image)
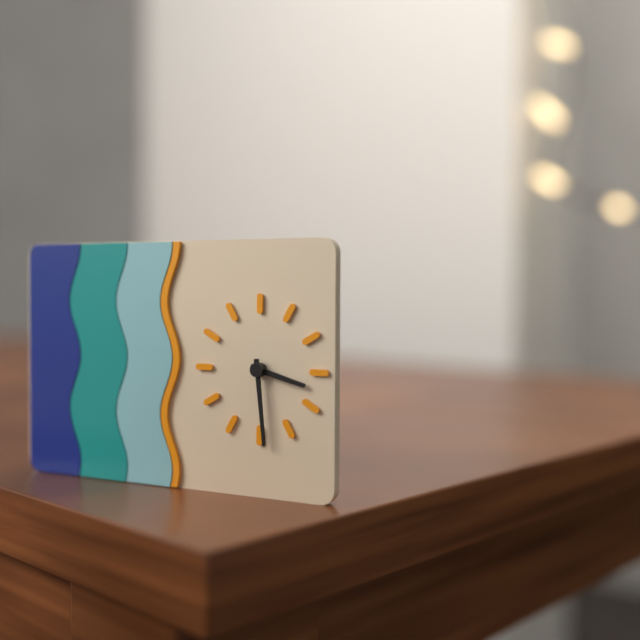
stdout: 3 h 29 min
